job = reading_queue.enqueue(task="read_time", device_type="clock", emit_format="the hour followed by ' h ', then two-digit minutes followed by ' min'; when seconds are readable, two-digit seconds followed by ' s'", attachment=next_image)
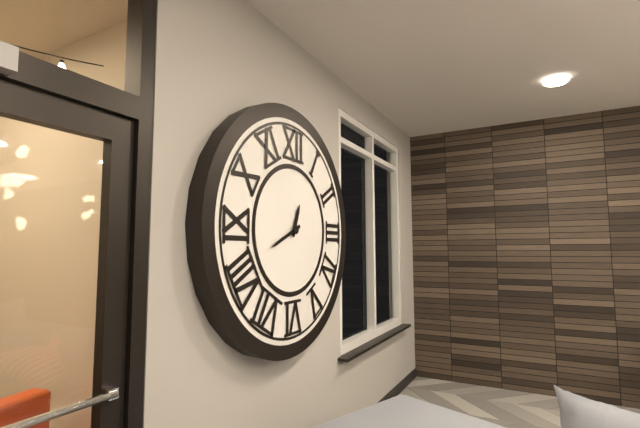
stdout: 12 h 41 min
